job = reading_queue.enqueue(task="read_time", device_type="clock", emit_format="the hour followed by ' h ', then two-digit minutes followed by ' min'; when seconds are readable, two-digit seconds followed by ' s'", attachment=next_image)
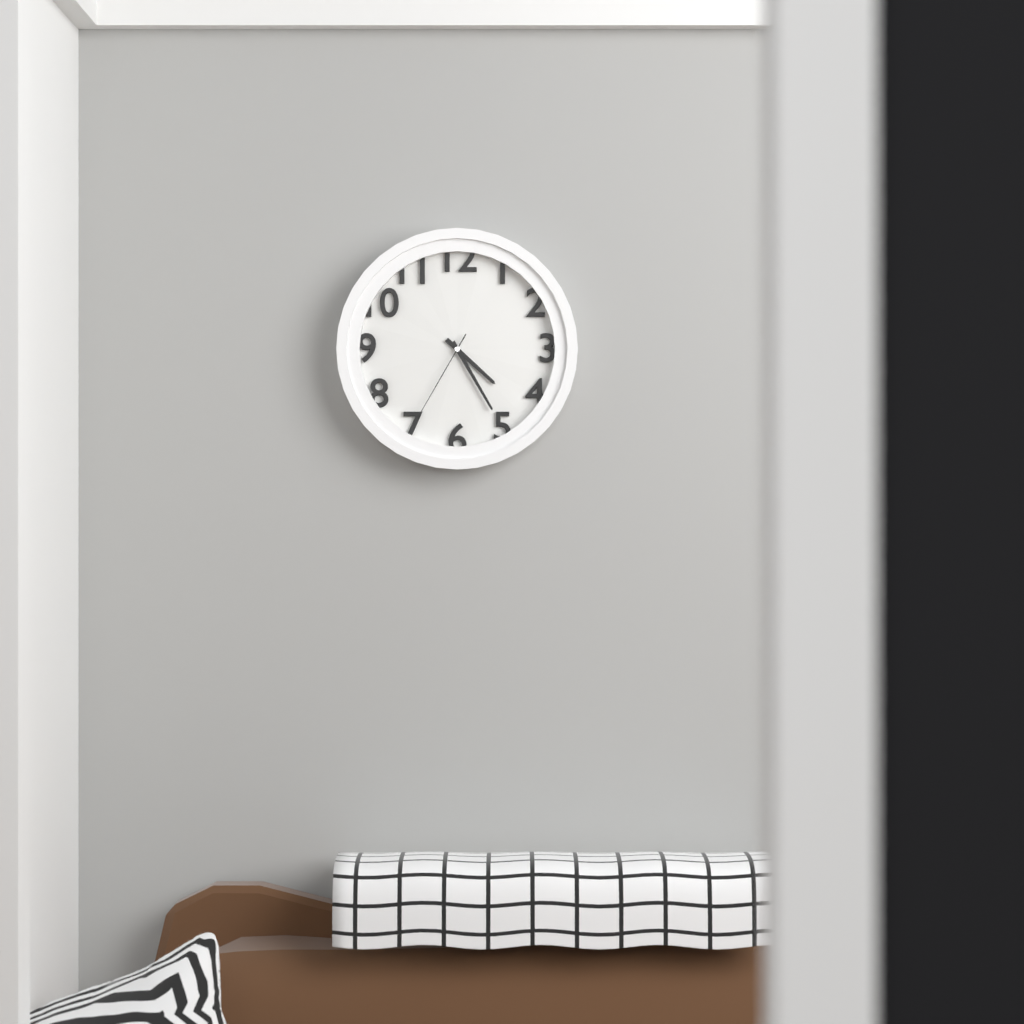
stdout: 4 h 25 min 35 s
